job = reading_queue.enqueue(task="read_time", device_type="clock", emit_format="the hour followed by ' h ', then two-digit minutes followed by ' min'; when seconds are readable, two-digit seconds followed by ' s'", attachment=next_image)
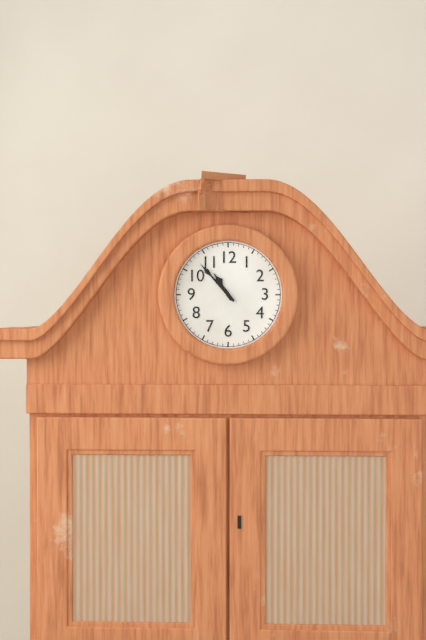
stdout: 10 h 53 min
